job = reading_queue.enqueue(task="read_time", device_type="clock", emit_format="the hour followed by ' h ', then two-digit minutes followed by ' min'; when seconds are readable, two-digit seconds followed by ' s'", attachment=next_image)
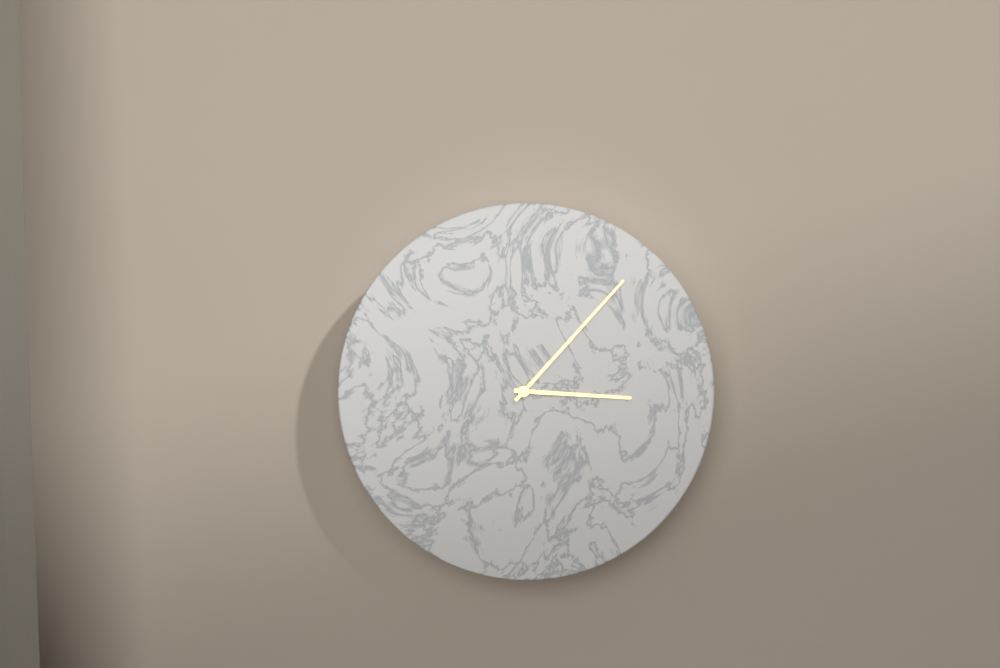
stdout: 3 h 07 min
